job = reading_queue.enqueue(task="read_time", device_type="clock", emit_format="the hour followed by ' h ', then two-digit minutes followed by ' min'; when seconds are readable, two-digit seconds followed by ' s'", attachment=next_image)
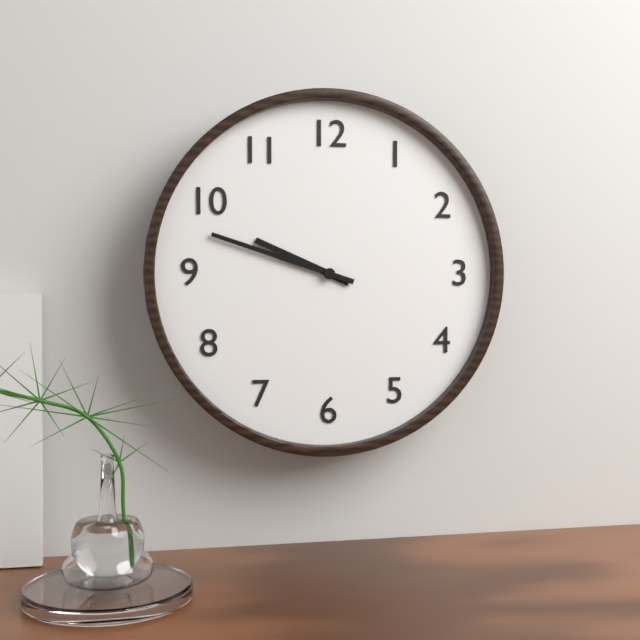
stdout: 9 h 48 min
